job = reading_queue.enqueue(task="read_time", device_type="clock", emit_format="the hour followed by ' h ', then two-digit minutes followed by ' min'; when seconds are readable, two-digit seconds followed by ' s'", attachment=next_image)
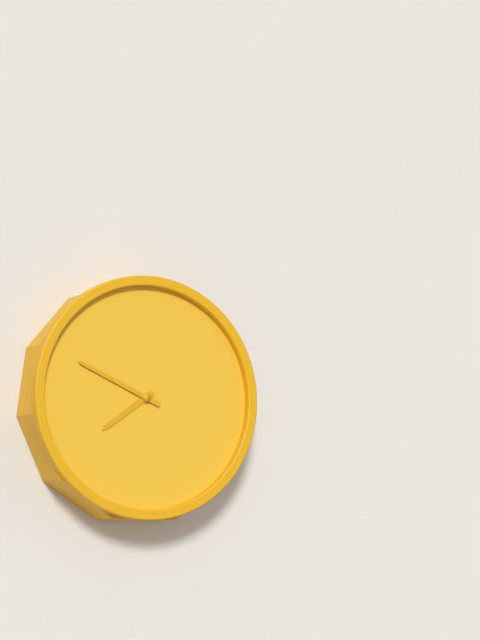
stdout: 7 h 49 min
